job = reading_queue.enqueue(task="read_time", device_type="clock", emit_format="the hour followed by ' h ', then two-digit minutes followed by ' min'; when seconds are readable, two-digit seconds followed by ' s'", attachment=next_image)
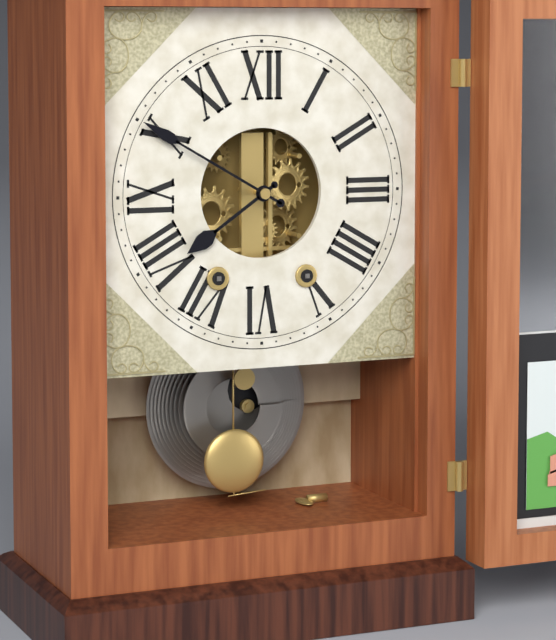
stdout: 7 h 50 min
